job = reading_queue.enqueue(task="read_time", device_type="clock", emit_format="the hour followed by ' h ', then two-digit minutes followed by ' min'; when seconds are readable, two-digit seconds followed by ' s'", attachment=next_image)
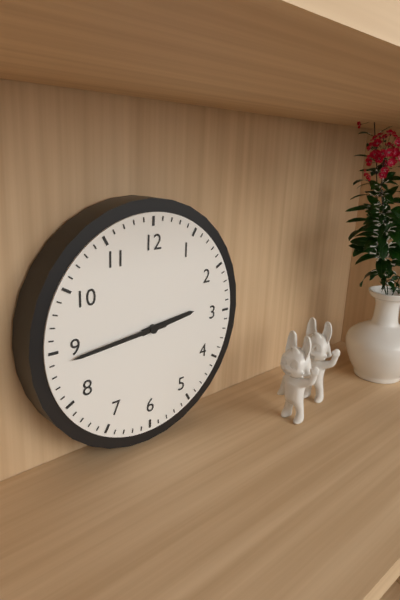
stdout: 2 h 44 min
